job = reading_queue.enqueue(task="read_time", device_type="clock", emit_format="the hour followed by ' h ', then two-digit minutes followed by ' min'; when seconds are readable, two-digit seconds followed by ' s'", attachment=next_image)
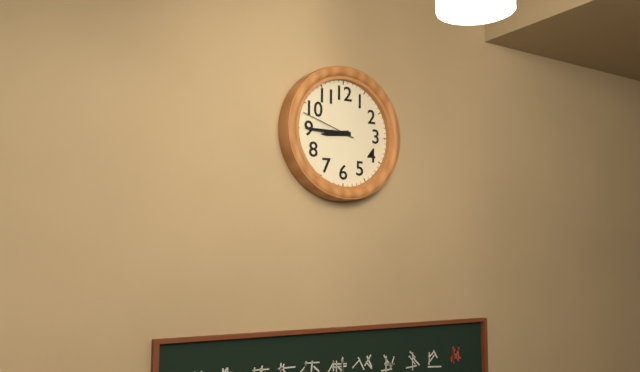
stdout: 8 h 45 min 48 s
